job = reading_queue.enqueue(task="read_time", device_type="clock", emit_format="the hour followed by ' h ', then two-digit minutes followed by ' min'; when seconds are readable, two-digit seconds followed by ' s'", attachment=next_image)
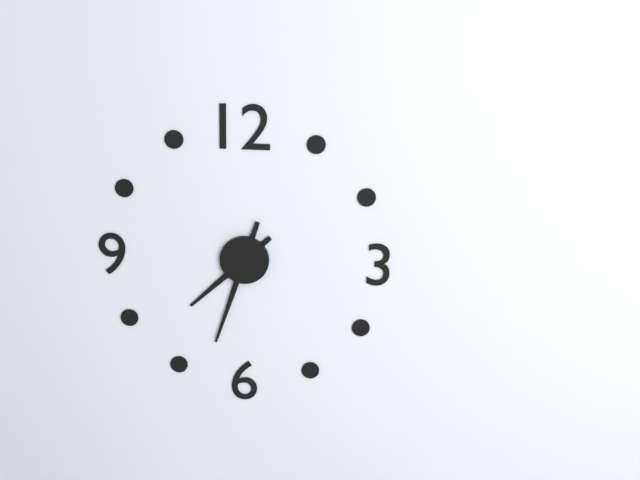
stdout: 7 h 33 min
